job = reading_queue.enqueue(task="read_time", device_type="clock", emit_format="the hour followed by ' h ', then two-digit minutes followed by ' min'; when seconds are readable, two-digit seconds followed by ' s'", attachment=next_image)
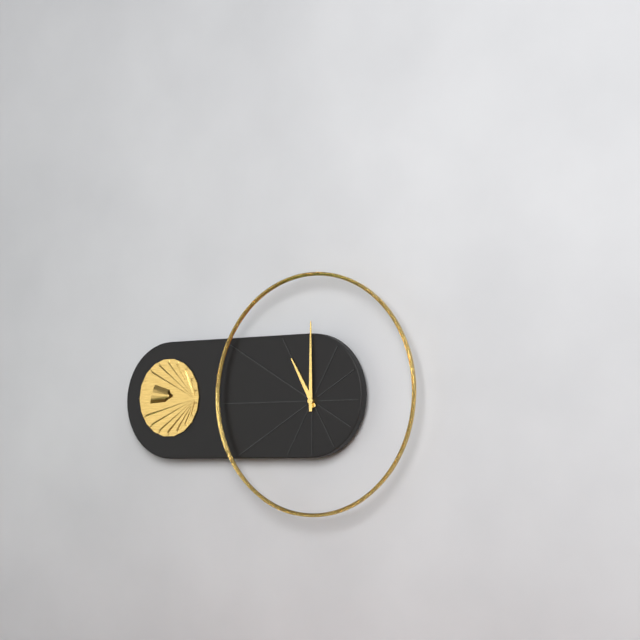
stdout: 11 h 00 min
